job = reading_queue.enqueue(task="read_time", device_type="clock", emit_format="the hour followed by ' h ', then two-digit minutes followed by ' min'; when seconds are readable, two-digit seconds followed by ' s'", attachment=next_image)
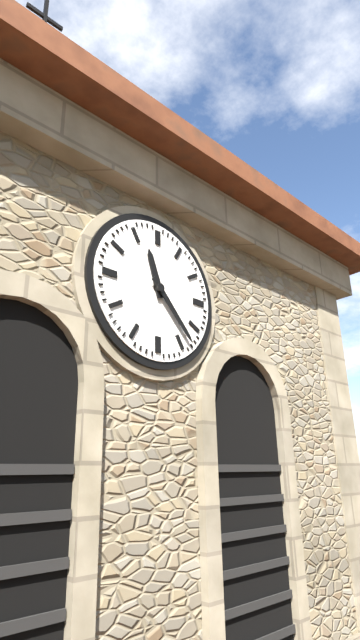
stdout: 11 h 23 min
